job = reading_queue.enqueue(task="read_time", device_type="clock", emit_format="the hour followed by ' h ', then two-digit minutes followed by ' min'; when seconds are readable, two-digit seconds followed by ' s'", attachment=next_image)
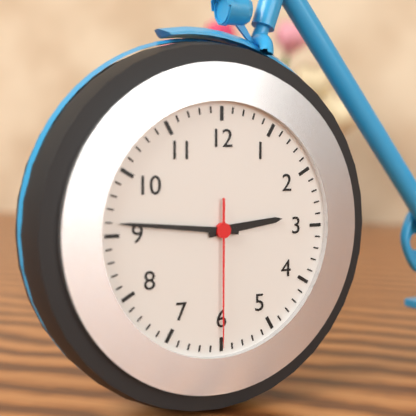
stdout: 2 h 46 min 30 s
